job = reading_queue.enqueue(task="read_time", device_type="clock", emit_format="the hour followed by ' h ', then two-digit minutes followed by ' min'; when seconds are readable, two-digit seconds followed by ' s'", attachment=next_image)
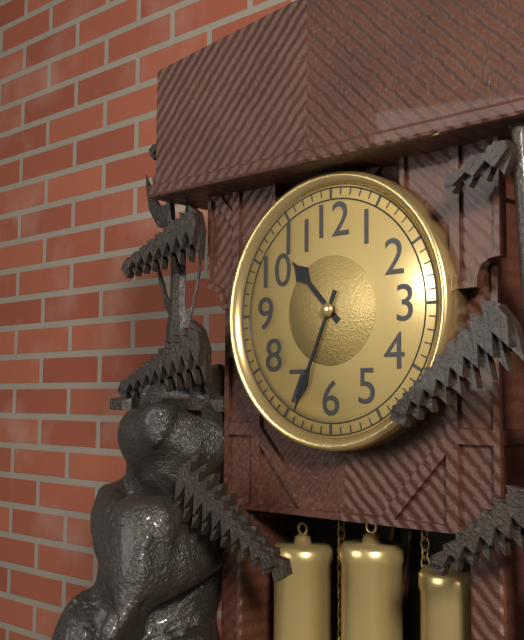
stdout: 10 h 34 min
